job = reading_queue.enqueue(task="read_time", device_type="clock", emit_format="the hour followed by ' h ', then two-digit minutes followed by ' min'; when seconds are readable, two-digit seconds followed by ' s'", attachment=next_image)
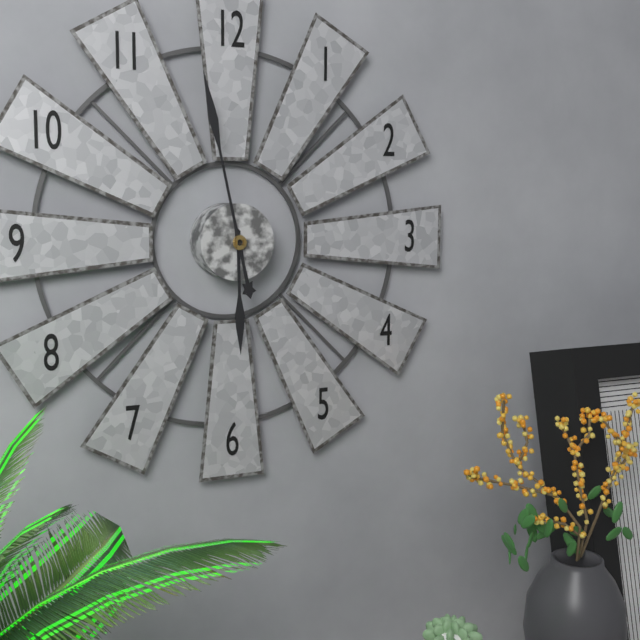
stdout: 5 h 58 min
